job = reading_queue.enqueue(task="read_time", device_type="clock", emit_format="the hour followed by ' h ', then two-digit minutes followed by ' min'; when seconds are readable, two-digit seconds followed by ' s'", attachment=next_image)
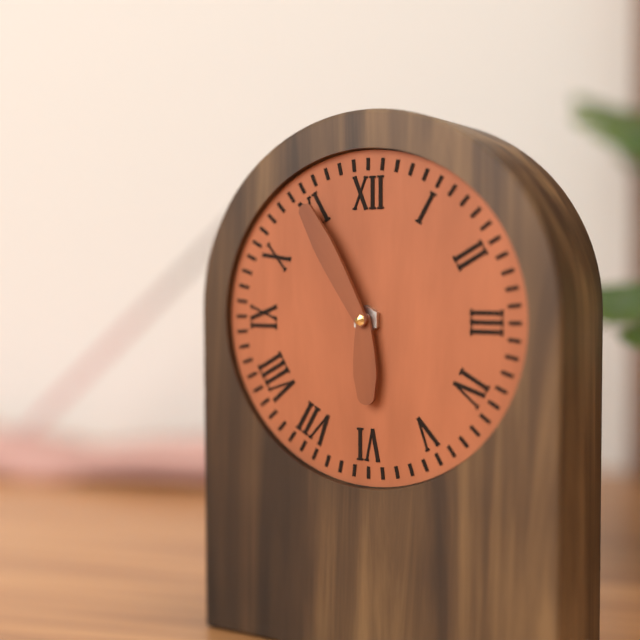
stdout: 5 h 55 min
